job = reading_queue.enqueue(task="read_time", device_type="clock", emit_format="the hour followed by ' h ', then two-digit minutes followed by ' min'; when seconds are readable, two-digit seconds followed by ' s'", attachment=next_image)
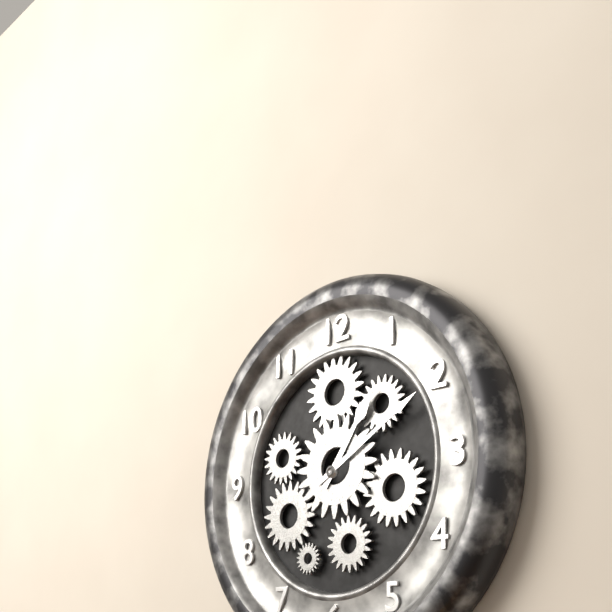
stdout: 1 h 10 min
